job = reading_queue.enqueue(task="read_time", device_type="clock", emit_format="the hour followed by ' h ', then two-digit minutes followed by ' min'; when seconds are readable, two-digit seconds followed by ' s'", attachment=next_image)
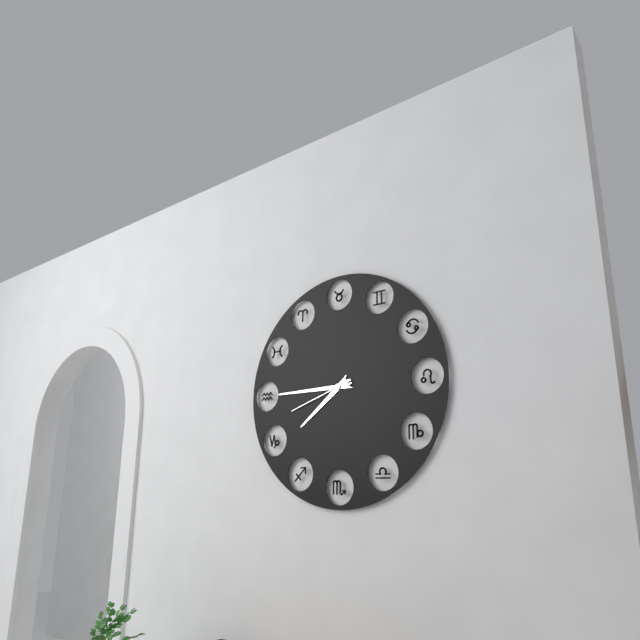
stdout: 7 h 45 min 42 s
